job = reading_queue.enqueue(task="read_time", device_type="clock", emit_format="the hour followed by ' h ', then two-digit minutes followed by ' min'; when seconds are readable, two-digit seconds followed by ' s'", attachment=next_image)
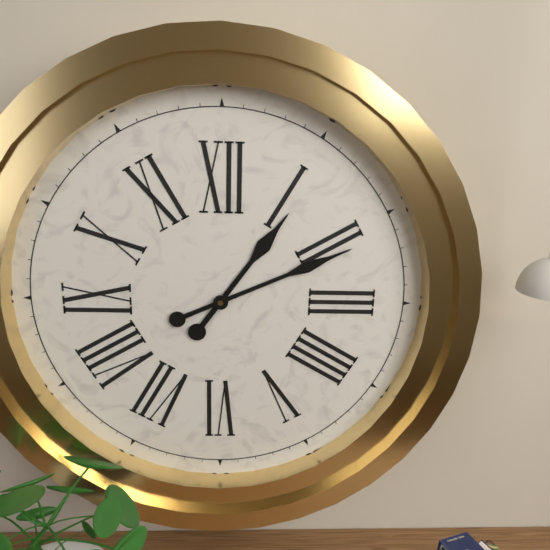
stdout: 1 h 11 min
